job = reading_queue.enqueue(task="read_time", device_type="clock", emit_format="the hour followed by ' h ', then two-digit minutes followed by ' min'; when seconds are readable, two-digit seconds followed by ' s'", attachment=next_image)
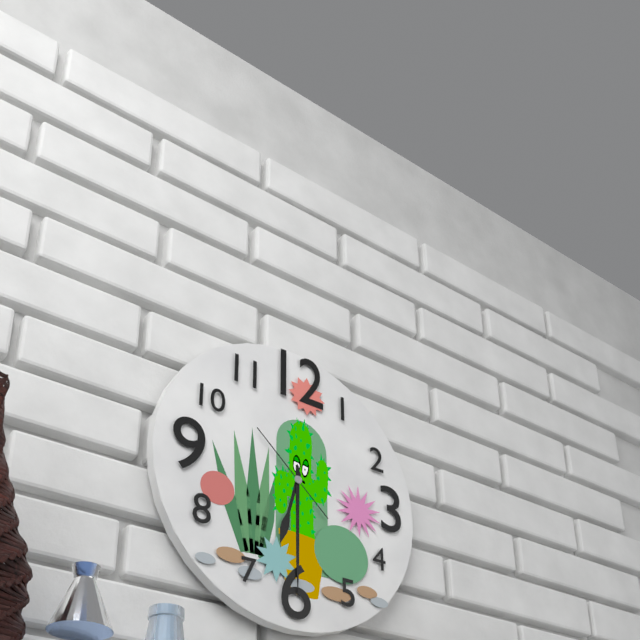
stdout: 6 h 30 min 52 s
